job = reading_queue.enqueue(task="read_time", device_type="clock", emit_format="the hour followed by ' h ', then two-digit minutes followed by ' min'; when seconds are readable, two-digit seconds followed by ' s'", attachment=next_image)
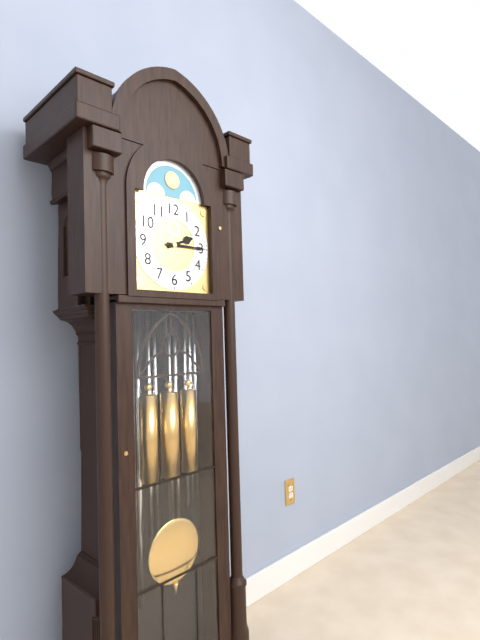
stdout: 2 h 15 min
